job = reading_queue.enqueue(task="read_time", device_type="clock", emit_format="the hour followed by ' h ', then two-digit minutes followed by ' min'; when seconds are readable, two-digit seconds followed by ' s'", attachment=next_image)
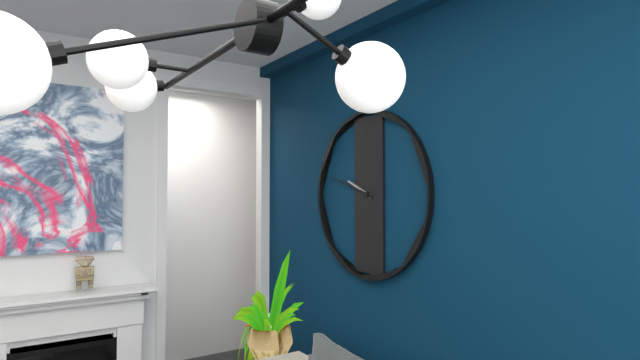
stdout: 9 h 48 min
